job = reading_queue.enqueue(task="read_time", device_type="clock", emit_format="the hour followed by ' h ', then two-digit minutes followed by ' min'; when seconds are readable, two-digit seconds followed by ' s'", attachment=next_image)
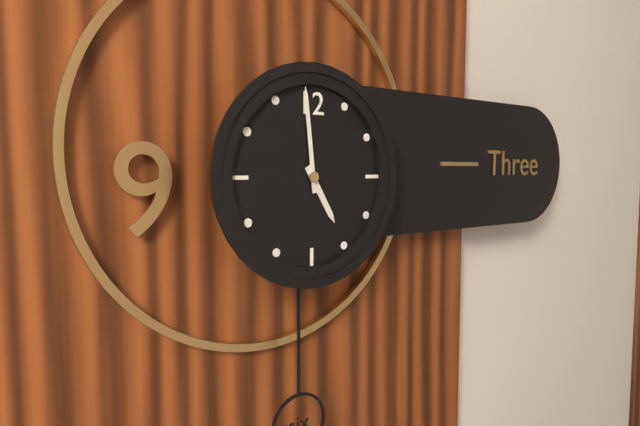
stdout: 4 h 59 min
